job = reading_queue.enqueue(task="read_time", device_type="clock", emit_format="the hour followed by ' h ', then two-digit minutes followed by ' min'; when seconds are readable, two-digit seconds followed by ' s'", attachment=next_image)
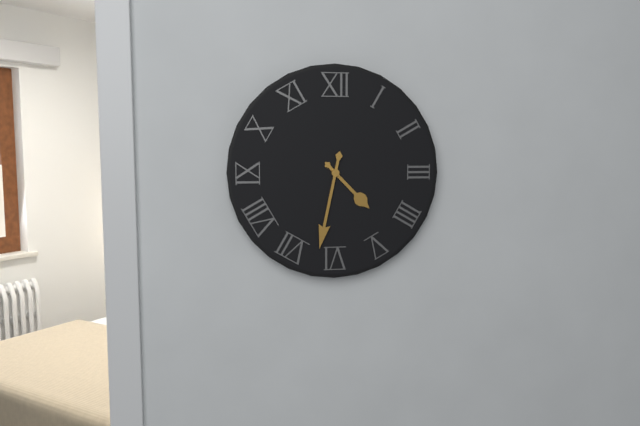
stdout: 4 h 32 min
